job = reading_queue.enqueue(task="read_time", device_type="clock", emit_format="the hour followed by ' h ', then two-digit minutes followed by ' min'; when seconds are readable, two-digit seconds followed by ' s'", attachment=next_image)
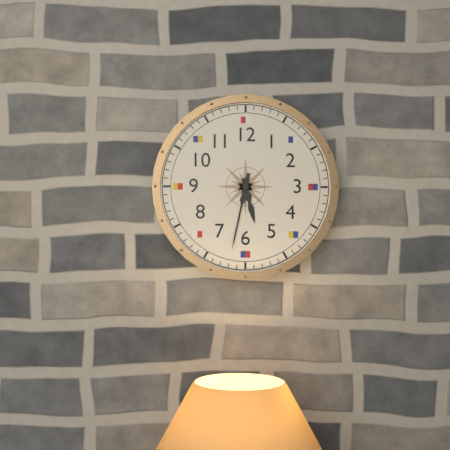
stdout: 5 h 32 min
